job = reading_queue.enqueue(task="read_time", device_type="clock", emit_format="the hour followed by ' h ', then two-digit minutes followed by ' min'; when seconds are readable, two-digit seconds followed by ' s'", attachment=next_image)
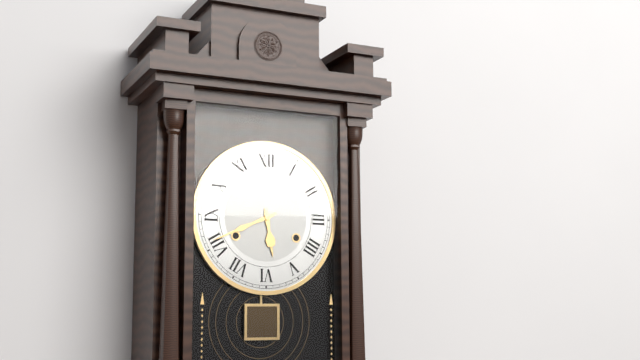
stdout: 5 h 41 min
